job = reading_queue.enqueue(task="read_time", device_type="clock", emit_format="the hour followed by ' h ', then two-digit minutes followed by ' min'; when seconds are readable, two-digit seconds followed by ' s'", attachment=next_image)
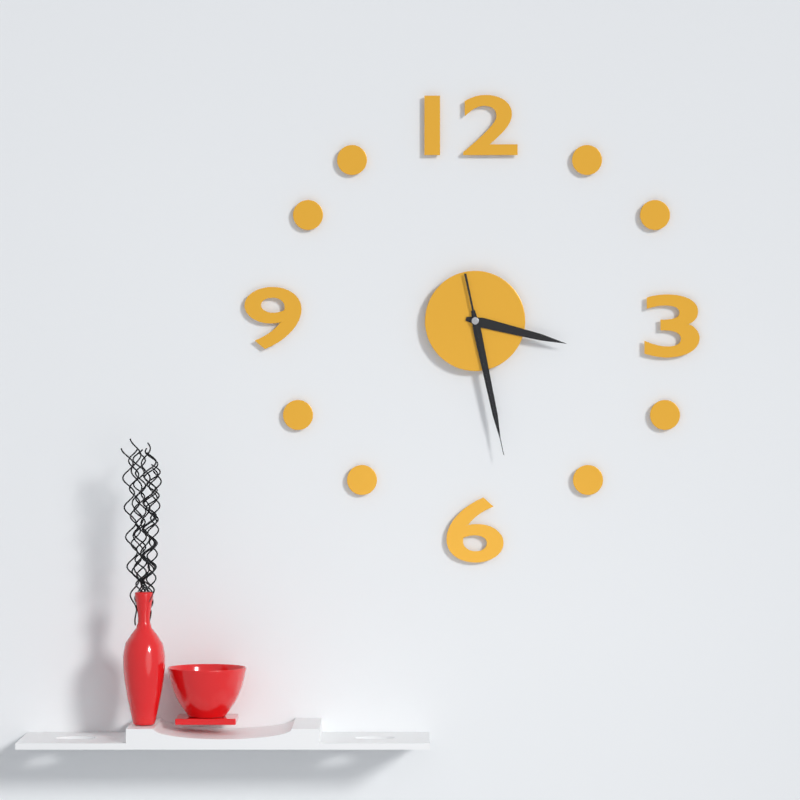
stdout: 3 h 28 min 28 s
